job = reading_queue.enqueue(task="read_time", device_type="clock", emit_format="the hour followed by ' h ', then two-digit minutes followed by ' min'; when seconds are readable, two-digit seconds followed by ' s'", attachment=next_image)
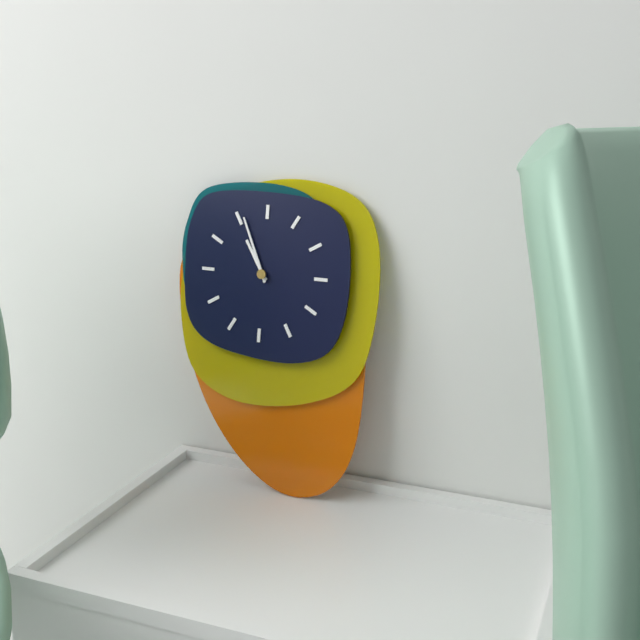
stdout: 10 h 56 min
